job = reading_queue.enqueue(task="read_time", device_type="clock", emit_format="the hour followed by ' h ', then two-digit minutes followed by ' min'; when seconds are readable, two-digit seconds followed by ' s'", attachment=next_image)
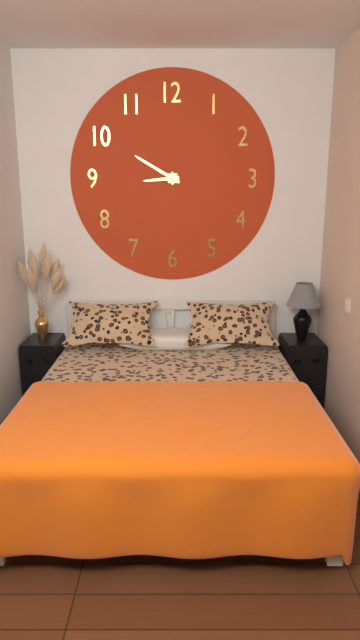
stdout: 8 h 50 min
